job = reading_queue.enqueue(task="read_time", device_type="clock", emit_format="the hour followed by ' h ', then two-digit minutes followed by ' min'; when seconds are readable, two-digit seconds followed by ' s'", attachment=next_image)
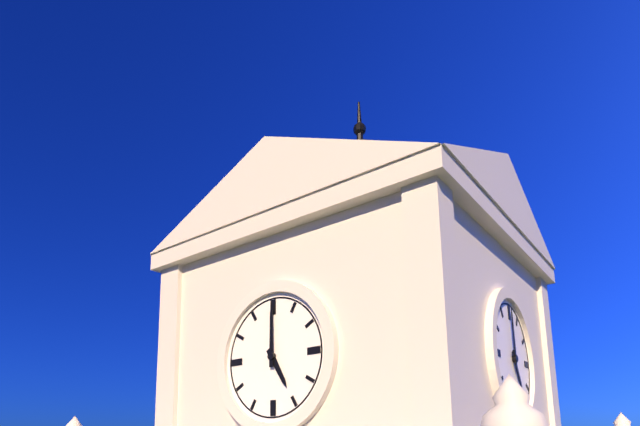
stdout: 5 h 00 min
